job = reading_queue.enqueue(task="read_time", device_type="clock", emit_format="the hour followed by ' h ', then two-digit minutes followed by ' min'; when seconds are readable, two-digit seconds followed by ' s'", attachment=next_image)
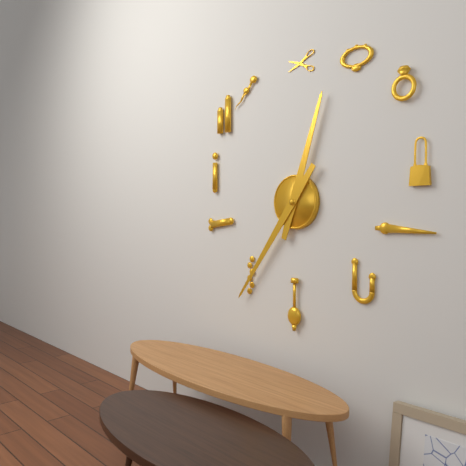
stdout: 12 h 36 min
